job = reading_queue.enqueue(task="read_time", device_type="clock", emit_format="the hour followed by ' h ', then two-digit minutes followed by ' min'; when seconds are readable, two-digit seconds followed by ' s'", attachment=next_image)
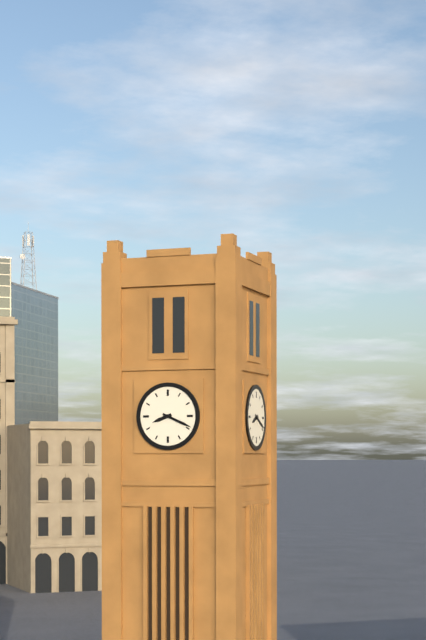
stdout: 8 h 19 min
